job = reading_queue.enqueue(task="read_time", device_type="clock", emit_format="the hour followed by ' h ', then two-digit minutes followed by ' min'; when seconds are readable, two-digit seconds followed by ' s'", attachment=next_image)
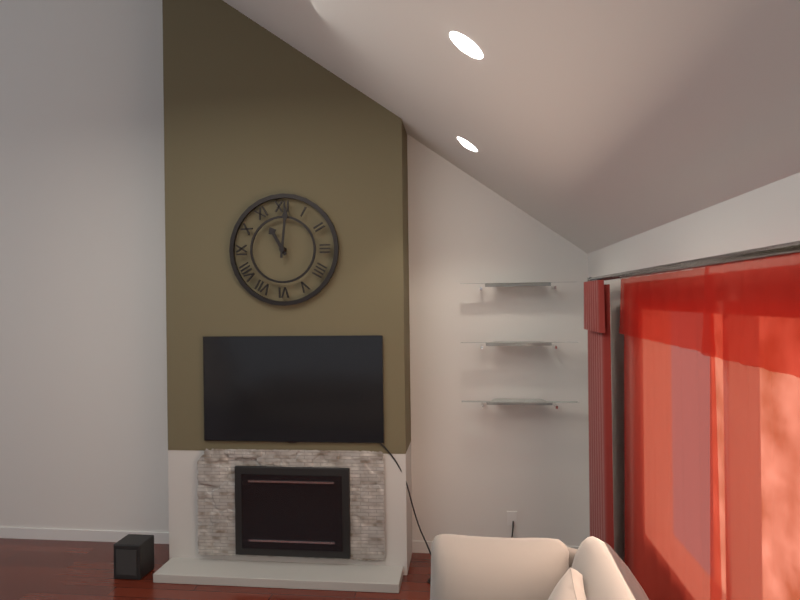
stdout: 11 h 01 min
